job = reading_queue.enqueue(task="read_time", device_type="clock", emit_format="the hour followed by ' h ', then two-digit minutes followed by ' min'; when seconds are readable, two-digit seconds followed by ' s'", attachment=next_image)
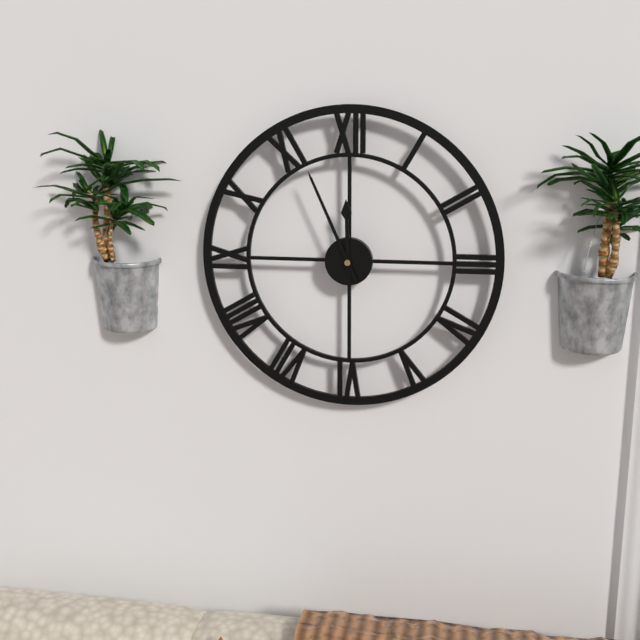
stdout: 11 h 56 min
